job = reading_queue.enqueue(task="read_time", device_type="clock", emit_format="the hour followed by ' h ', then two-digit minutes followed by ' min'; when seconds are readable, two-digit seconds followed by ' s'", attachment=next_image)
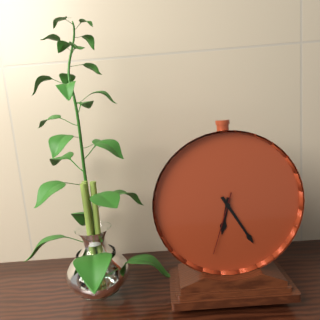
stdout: 6 h 25 min 33 s
